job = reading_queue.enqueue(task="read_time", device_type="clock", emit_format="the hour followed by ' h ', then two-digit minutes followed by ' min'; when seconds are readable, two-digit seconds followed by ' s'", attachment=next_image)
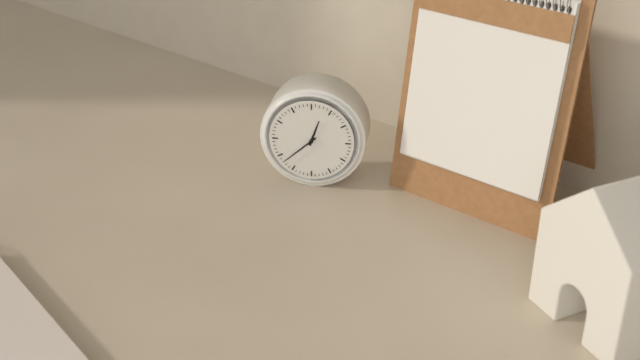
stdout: 12 h 38 min
